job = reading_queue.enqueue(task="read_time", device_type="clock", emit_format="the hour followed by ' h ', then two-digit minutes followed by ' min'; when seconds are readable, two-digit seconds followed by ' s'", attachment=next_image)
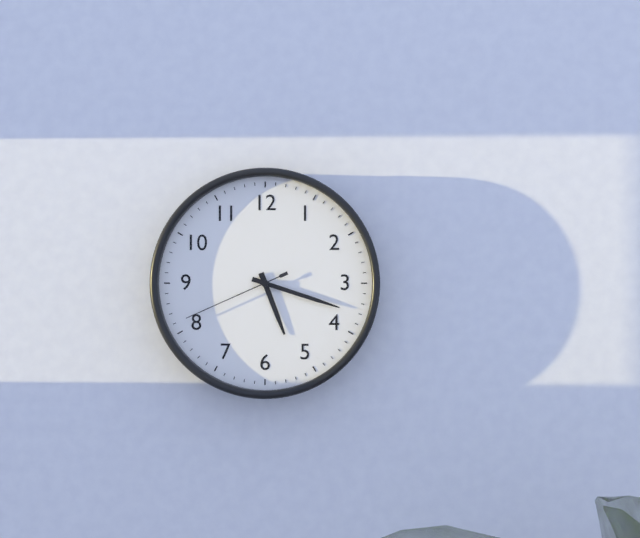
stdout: 5 h 18 min 41 s
